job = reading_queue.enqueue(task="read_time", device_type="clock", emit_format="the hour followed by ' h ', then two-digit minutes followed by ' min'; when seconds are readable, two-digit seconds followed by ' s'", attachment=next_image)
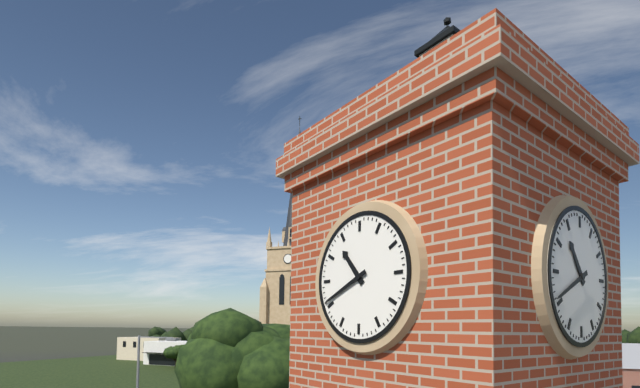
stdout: 10 h 41 min
